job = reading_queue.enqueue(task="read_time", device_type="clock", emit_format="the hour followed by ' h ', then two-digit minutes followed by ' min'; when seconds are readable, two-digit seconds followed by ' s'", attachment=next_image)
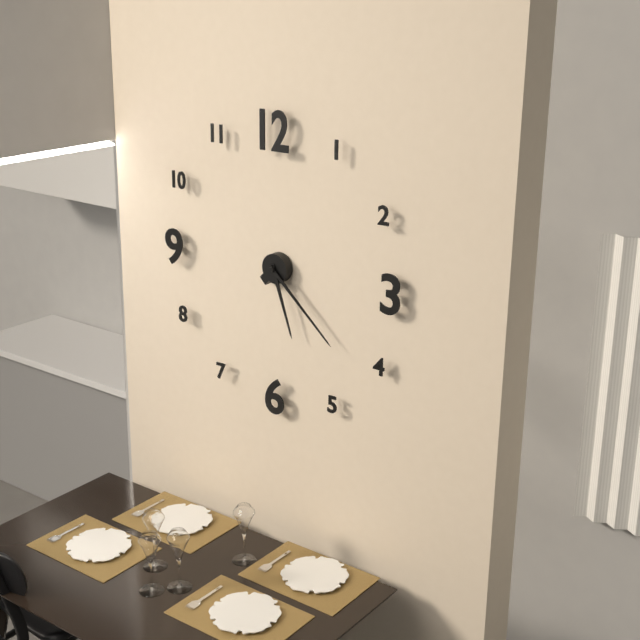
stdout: 5 h 22 min
